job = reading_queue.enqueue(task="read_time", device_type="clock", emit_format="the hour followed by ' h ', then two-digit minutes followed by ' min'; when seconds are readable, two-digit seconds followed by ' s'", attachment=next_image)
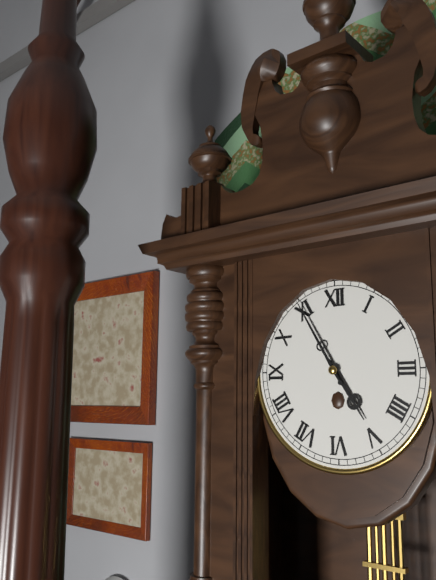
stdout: 4 h 55 min
